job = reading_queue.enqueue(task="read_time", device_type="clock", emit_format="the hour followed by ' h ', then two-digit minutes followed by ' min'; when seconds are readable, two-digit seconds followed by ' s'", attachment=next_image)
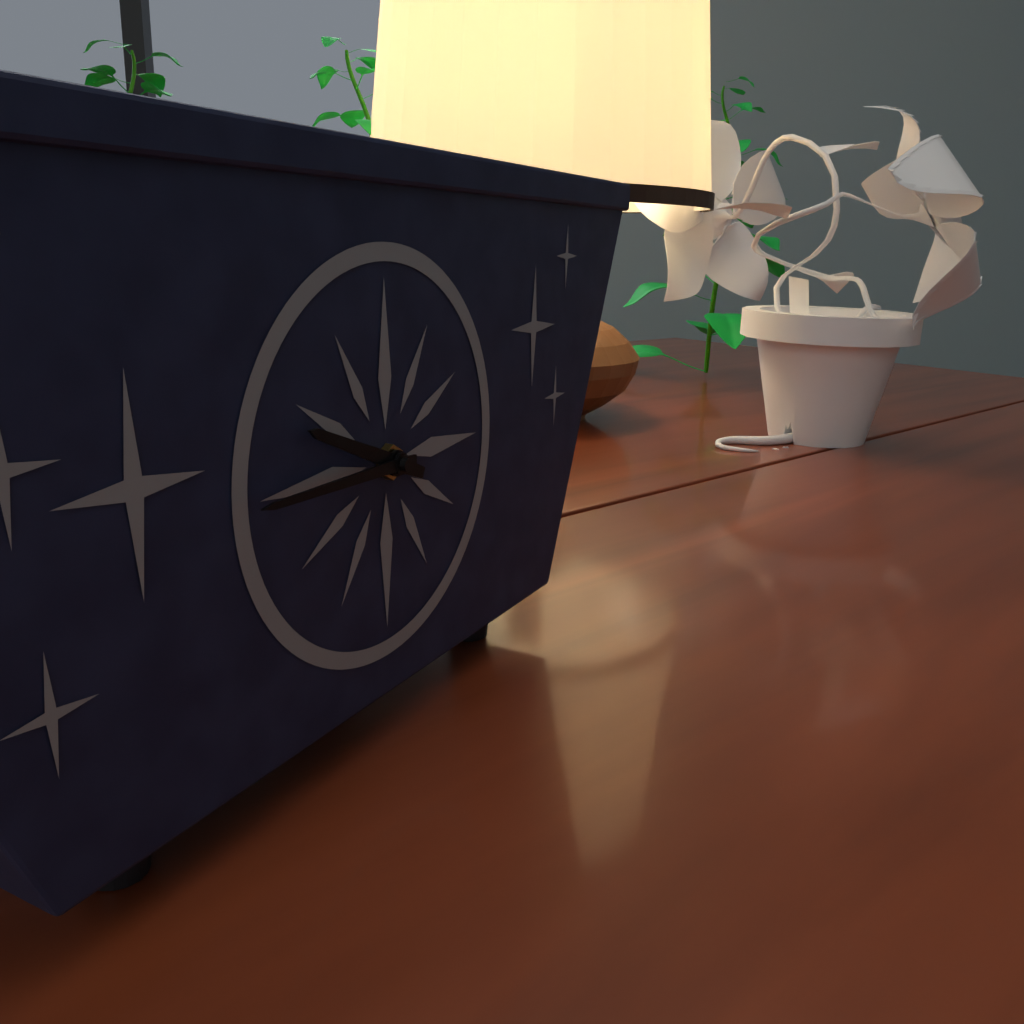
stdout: 9 h 45 min
